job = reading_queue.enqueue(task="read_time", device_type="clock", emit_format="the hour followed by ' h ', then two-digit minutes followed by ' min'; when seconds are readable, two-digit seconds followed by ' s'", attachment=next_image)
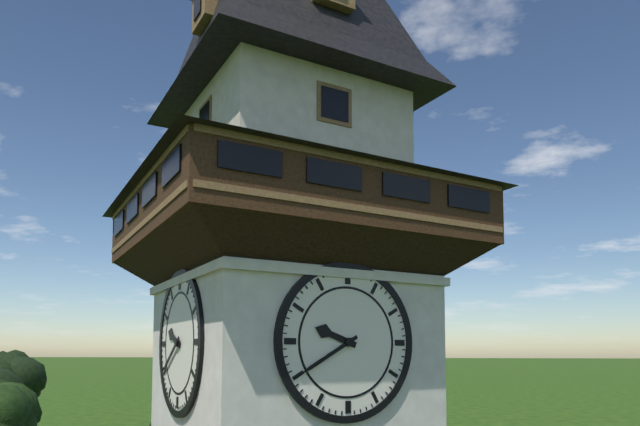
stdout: 9 h 40 min
